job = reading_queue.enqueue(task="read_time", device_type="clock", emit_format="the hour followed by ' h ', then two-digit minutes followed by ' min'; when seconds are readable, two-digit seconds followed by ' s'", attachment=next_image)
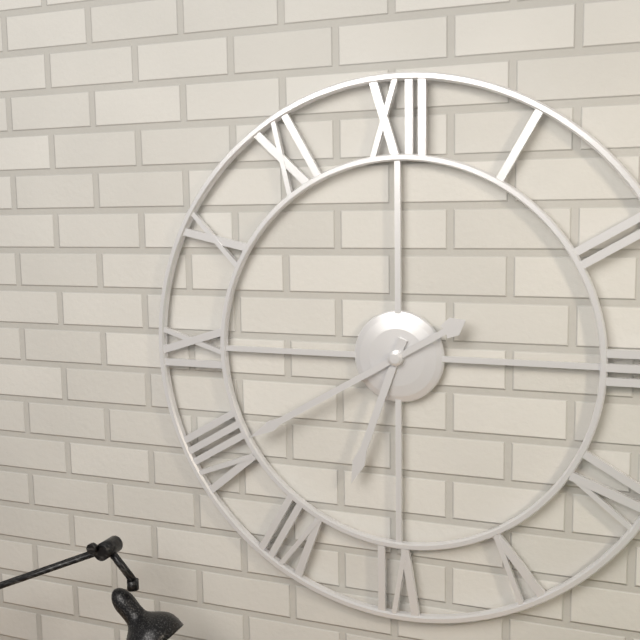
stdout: 6 h 40 min
